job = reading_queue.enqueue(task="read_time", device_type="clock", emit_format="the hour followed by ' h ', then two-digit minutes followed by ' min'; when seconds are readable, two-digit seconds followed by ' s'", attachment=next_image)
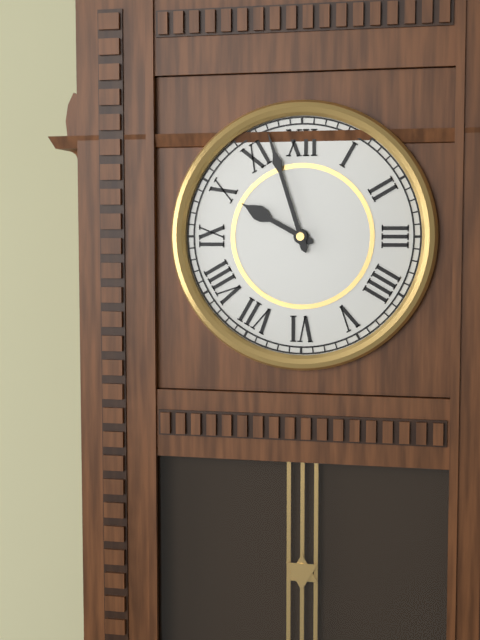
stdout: 9 h 57 min
